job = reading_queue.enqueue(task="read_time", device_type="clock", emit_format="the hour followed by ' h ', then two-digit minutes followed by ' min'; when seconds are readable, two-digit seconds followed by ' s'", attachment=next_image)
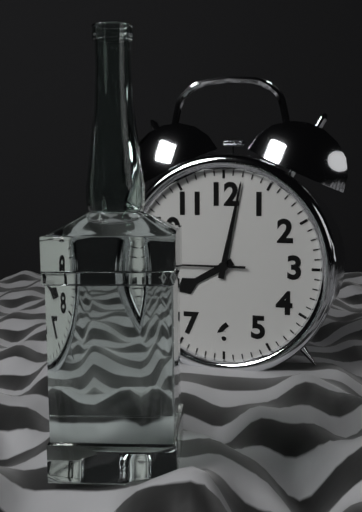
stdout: 8 h 02 min 45 s
